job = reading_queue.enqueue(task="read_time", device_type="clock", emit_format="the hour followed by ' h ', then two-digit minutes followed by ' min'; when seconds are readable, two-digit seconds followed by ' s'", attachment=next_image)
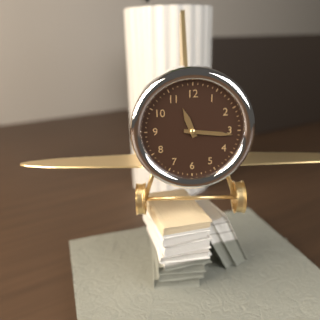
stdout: 11 h 16 min
